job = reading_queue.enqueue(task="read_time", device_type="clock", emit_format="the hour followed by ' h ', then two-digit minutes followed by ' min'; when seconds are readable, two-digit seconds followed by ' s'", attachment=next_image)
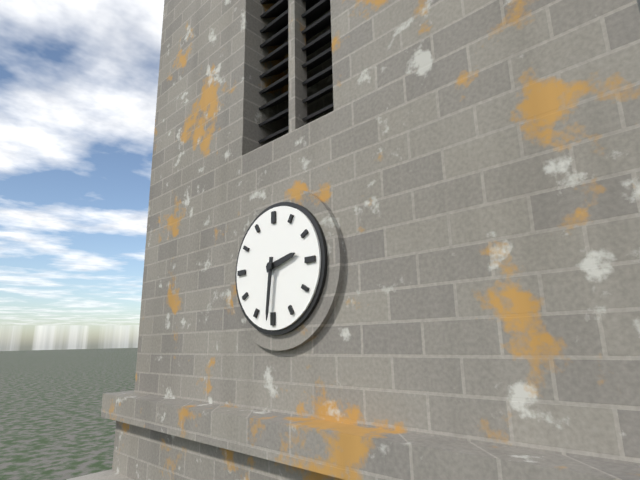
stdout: 2 h 31 min
